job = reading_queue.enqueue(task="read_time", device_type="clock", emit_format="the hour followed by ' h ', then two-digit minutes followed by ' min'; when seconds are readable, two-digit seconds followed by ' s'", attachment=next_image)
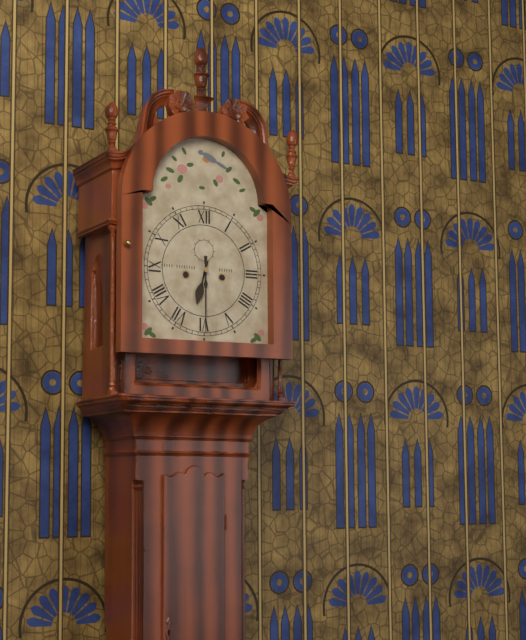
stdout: 6 h 30 min
